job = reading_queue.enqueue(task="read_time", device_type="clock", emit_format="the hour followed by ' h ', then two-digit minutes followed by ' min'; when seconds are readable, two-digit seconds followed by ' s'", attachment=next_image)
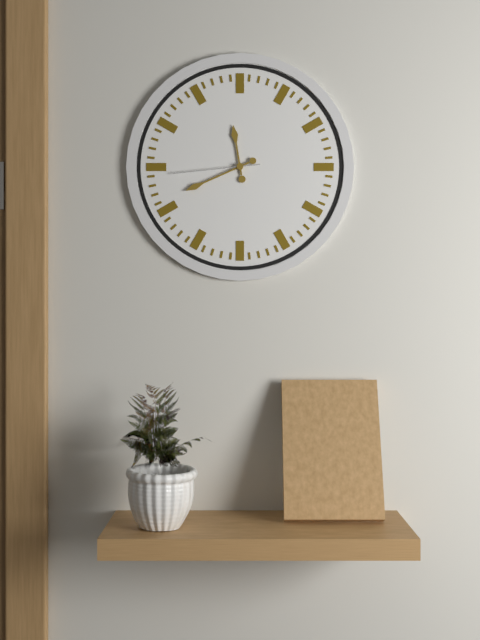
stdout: 11 h 41 min 44 s
